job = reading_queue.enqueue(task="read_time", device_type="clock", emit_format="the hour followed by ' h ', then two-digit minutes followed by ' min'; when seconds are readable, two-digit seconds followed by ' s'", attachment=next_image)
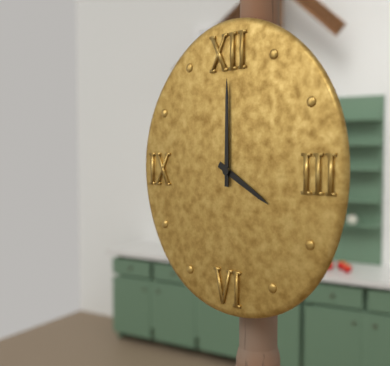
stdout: 4 h 00 min
